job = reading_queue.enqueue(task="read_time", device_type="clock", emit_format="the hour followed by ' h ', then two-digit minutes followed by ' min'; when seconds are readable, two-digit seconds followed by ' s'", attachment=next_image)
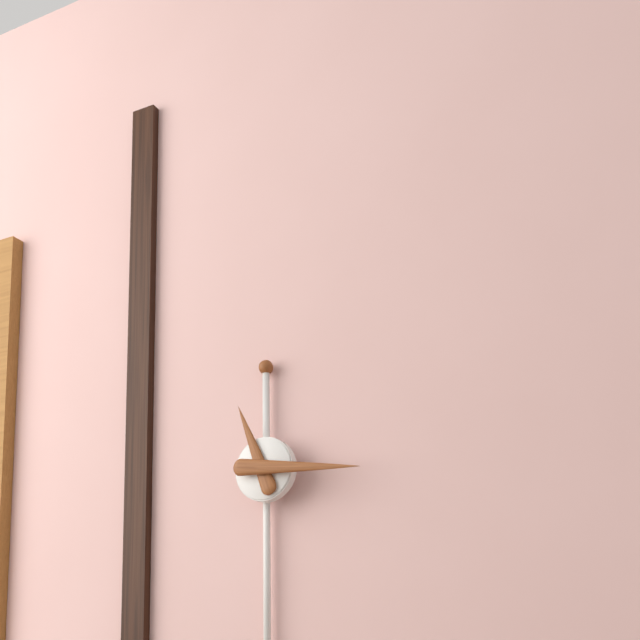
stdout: 11 h 16 min
